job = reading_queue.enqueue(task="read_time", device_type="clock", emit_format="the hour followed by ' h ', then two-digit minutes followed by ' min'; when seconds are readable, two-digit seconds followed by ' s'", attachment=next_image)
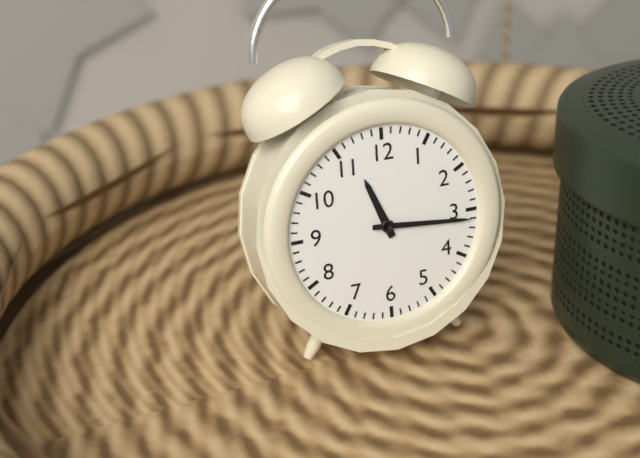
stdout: 11 h 16 min
